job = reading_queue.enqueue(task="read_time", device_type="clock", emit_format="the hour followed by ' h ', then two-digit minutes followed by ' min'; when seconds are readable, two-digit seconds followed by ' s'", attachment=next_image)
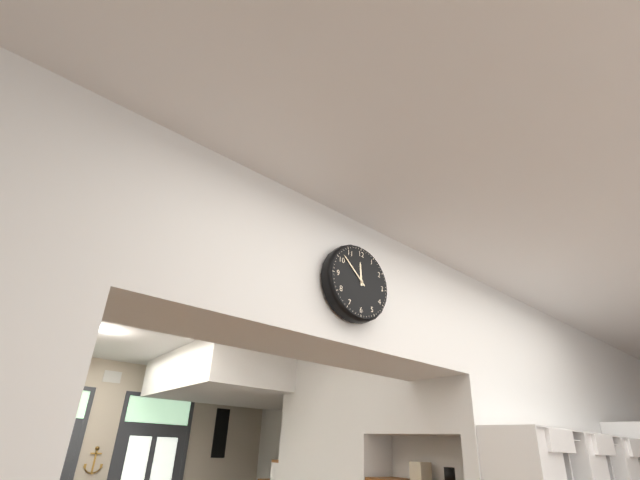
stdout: 11 h 52 min
